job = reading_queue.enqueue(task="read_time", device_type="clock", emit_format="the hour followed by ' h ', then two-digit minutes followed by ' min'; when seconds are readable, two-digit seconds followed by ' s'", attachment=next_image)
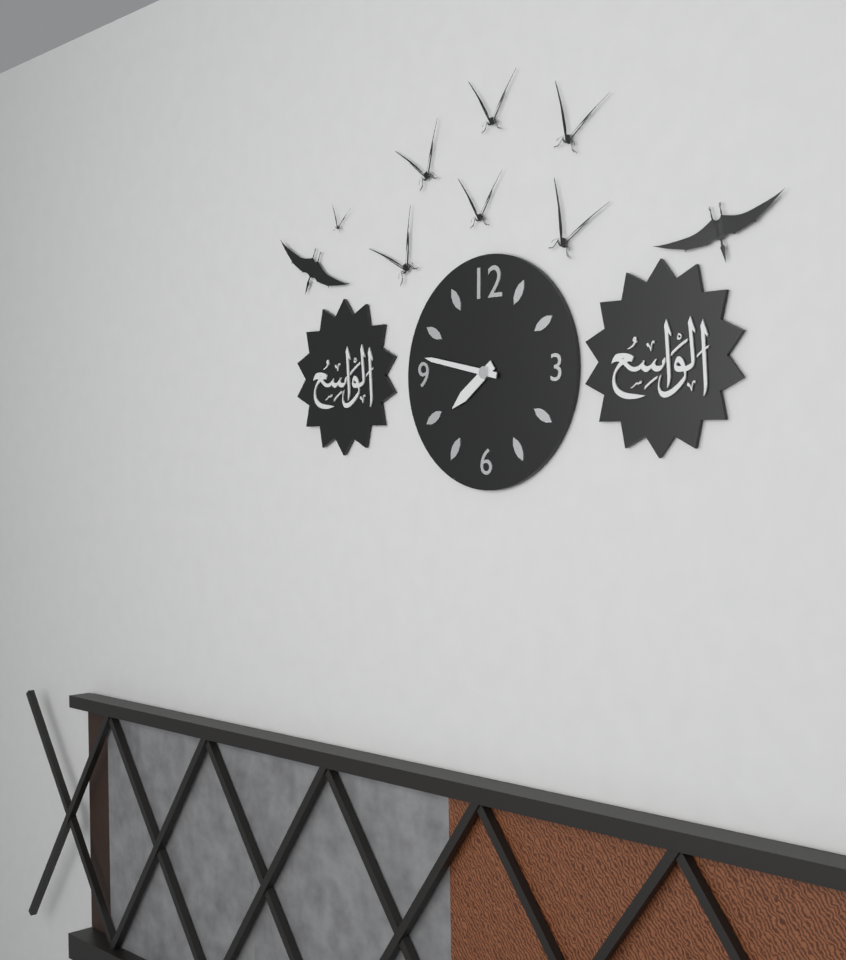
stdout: 7 h 47 min
